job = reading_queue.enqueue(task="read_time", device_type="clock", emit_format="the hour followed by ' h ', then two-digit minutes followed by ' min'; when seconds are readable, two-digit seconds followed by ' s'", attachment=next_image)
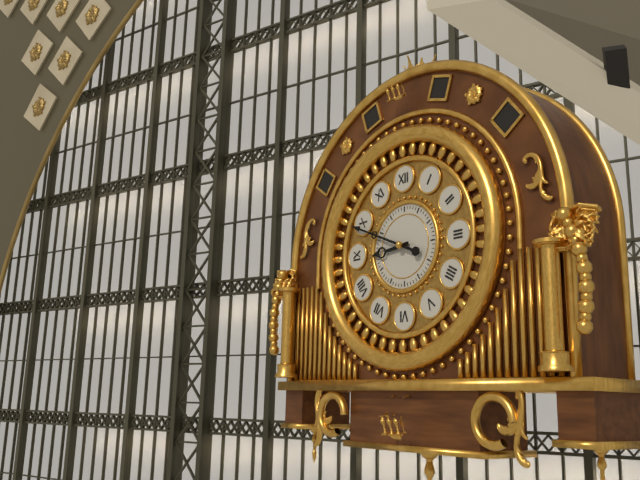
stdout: 8 h 49 min
